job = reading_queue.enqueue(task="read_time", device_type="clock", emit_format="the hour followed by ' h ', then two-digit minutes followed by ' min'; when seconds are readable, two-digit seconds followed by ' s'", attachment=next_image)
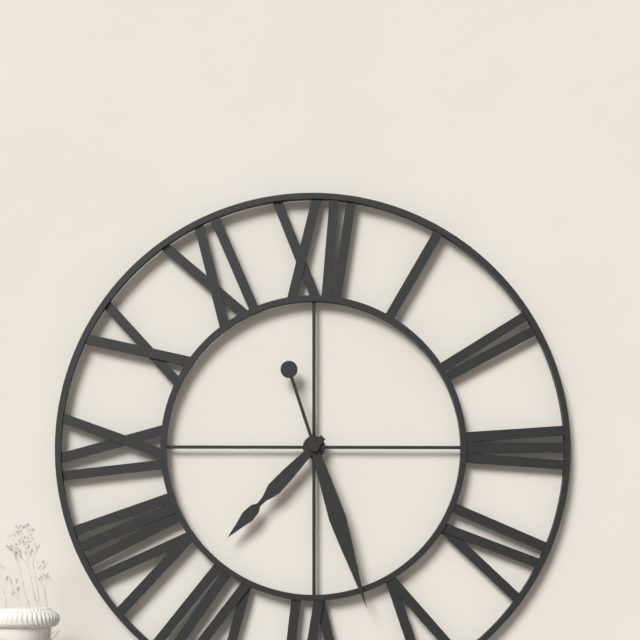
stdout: 7 h 27 min
